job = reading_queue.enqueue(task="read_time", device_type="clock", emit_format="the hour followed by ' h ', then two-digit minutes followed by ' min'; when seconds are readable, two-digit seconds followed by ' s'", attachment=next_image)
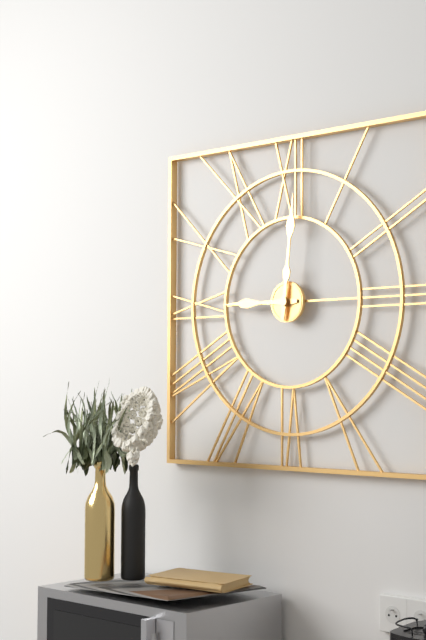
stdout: 9 h 01 min
